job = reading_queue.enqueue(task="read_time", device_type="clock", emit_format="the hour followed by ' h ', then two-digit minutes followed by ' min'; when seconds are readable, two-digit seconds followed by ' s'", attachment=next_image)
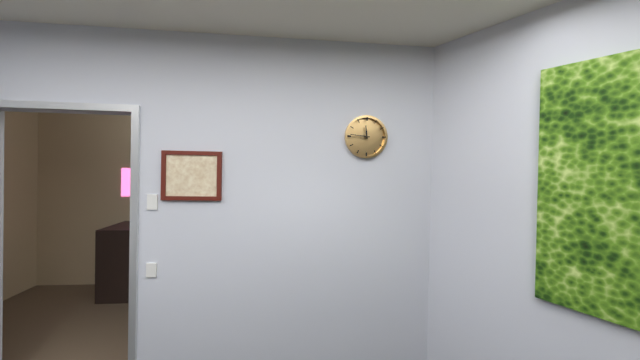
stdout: 11 h 46 min
